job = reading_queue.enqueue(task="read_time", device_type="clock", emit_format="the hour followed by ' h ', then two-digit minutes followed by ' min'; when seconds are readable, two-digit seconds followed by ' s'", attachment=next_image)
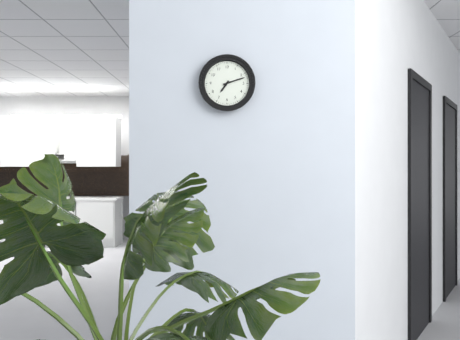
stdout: 7 h 12 min
